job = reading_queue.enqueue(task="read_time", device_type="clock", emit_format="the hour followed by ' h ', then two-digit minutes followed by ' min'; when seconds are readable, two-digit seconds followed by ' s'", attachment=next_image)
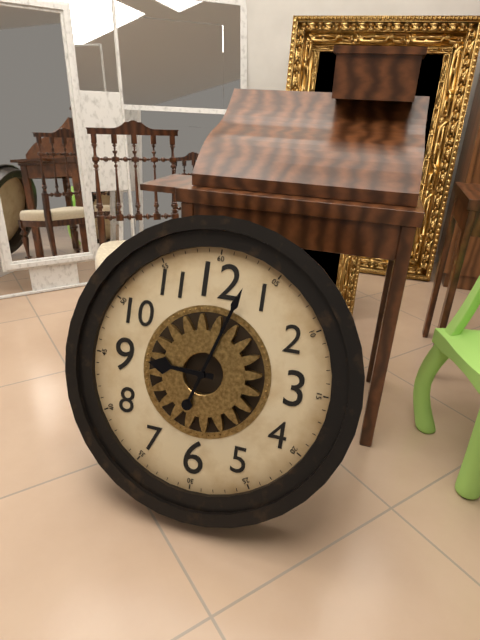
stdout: 9 h 03 min
